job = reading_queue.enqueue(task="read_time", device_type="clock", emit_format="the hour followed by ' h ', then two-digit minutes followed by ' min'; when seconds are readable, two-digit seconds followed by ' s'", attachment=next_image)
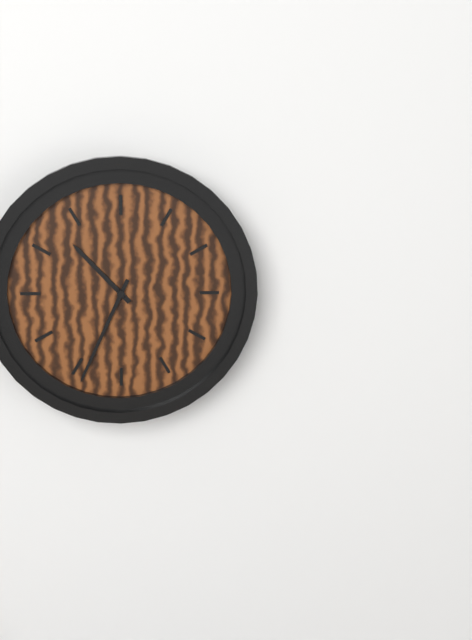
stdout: 10 h 34 min
